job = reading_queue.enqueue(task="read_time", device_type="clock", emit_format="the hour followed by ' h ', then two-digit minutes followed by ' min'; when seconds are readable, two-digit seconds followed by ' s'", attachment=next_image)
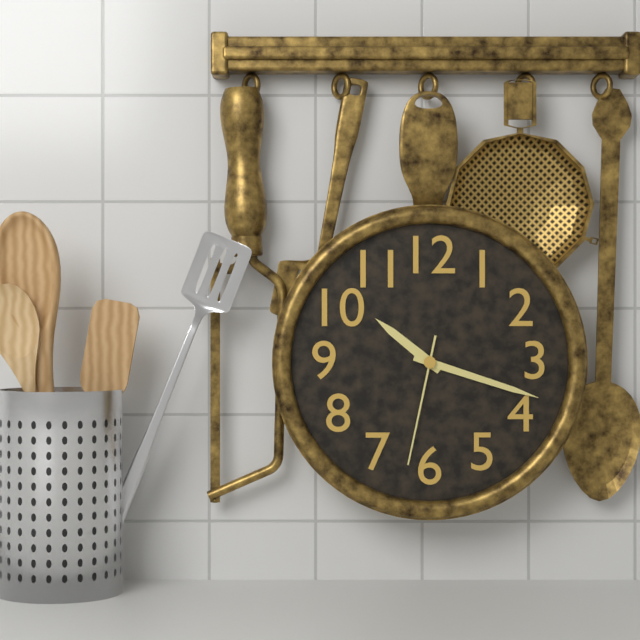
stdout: 10 h 18 min 32 s
